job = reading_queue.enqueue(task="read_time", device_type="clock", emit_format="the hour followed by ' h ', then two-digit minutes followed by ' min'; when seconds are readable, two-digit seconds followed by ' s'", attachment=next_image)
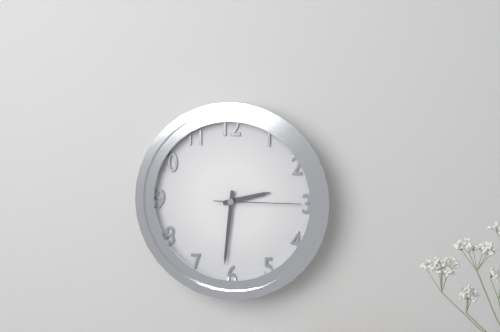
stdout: 2 h 31 min 15 s
